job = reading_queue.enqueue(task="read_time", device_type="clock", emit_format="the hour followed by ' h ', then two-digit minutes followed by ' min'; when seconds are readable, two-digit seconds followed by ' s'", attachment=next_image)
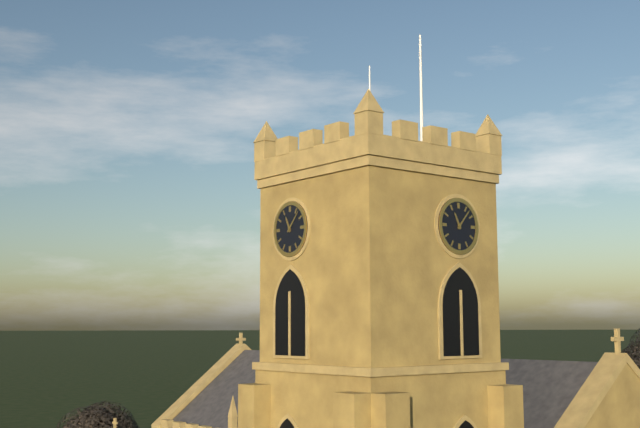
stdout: 11 h 07 min
